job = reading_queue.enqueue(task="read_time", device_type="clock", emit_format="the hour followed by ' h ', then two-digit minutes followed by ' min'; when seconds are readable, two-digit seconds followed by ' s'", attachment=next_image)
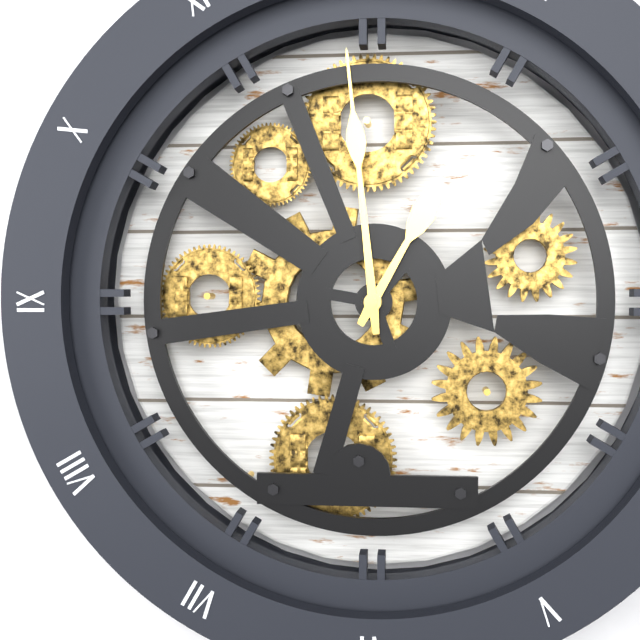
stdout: 12 h 59 min
